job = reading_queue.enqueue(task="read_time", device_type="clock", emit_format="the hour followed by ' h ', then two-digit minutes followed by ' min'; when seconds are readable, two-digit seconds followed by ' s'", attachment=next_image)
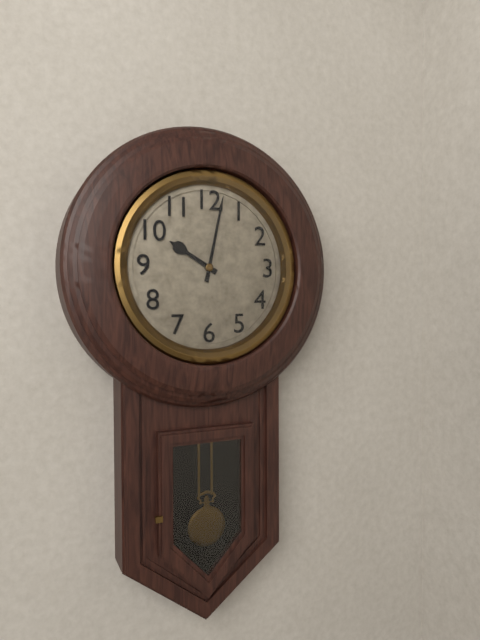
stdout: 10 h 02 min
